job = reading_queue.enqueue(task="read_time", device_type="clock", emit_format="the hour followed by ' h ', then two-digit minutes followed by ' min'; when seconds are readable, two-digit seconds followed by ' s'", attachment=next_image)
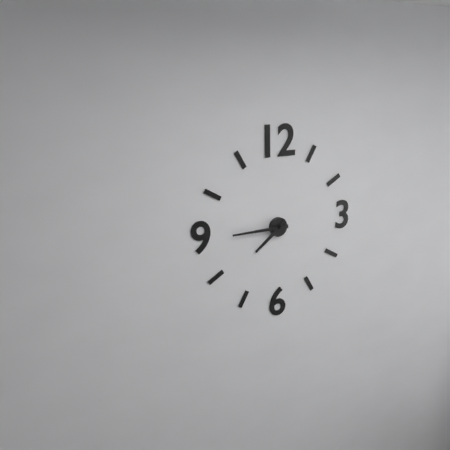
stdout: 7 h 45 min
